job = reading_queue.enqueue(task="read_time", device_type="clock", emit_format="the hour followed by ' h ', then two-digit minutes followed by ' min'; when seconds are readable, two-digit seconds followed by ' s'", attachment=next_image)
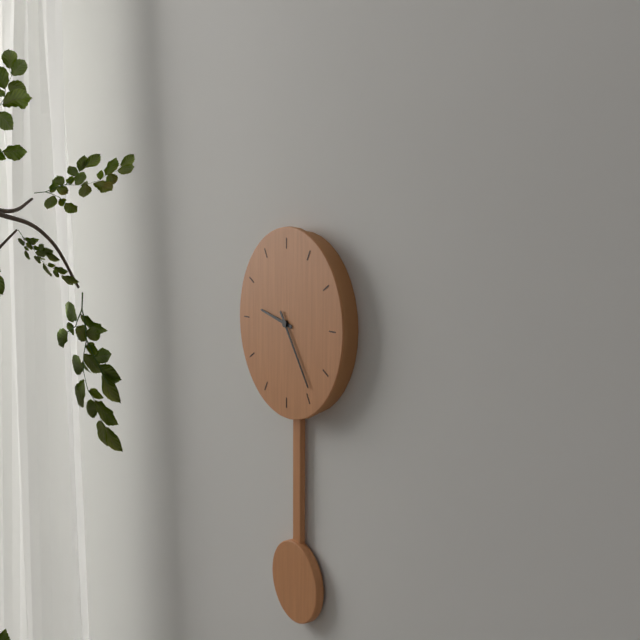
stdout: 9 h 24 min
